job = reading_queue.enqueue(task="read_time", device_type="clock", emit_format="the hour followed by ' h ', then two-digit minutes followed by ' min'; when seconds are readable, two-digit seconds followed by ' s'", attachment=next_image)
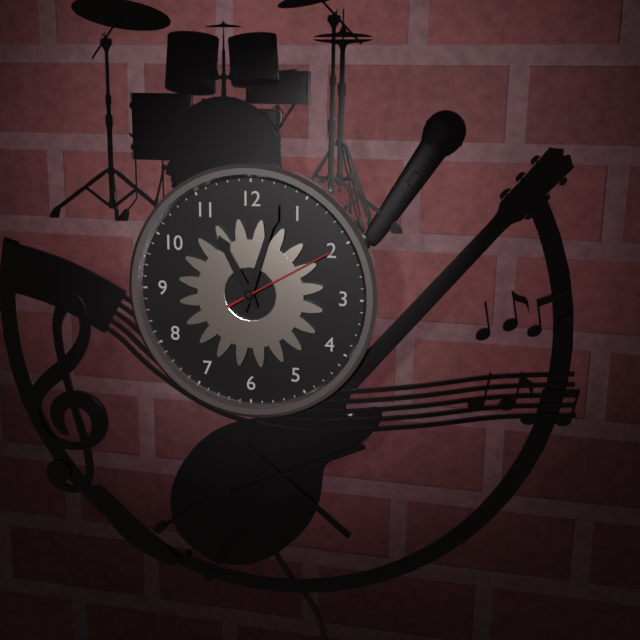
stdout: 11 h 03 min 10 s
